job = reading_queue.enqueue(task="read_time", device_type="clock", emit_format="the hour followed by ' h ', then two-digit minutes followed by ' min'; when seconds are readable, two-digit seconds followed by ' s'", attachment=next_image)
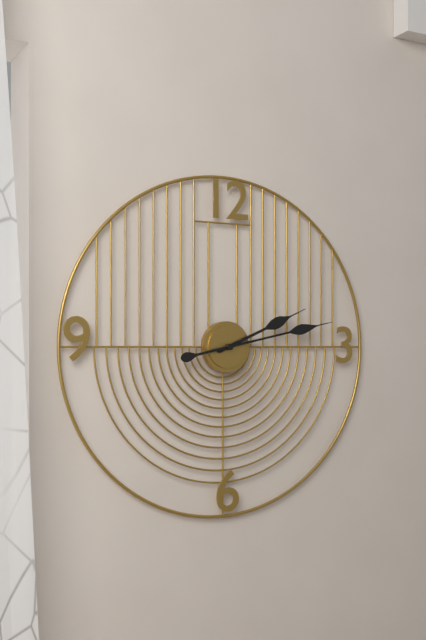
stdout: 2 h 13 min
